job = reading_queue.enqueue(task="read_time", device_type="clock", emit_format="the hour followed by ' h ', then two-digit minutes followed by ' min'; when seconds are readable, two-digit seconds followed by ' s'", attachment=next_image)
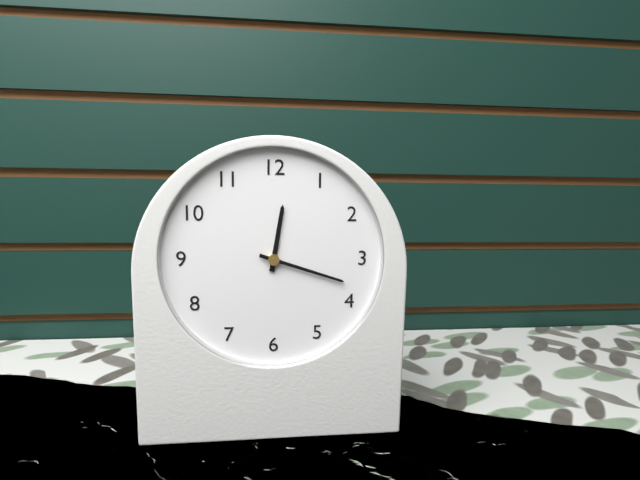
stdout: 12 h 18 min
